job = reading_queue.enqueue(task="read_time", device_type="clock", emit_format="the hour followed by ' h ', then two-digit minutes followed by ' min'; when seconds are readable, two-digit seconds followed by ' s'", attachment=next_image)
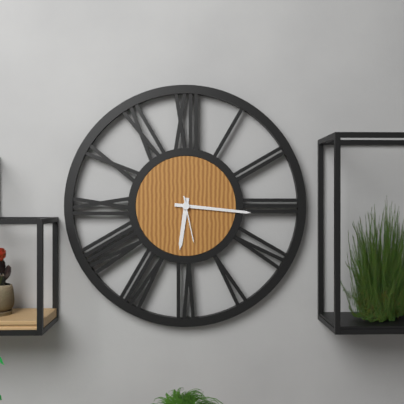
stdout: 6 h 16 min
